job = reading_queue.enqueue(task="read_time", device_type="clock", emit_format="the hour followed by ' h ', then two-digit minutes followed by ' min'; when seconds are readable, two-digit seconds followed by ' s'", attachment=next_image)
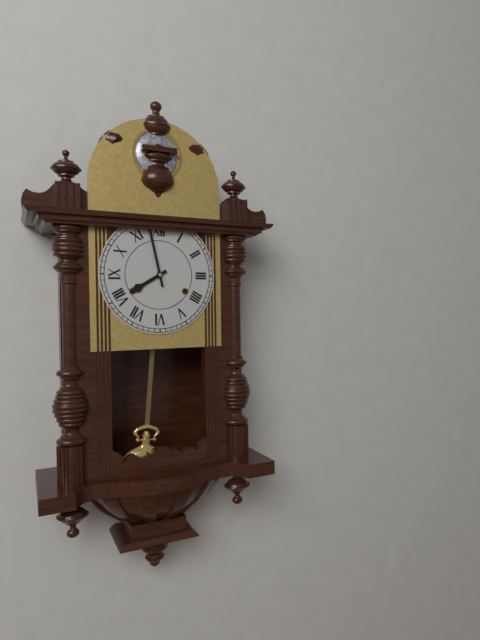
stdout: 7 h 58 min
